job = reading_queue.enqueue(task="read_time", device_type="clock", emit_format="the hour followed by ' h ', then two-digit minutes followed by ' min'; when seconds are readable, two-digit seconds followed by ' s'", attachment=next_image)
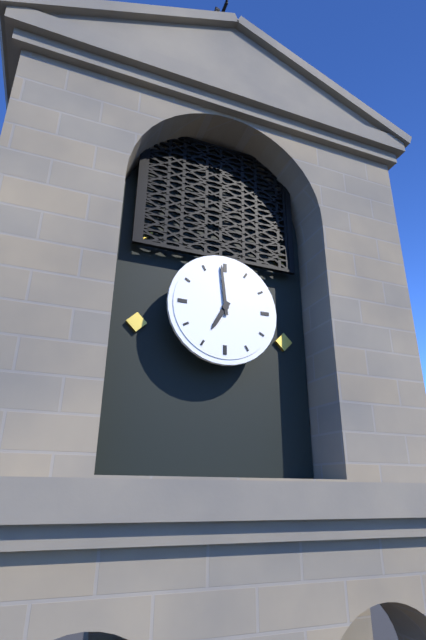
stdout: 6 h 59 min
